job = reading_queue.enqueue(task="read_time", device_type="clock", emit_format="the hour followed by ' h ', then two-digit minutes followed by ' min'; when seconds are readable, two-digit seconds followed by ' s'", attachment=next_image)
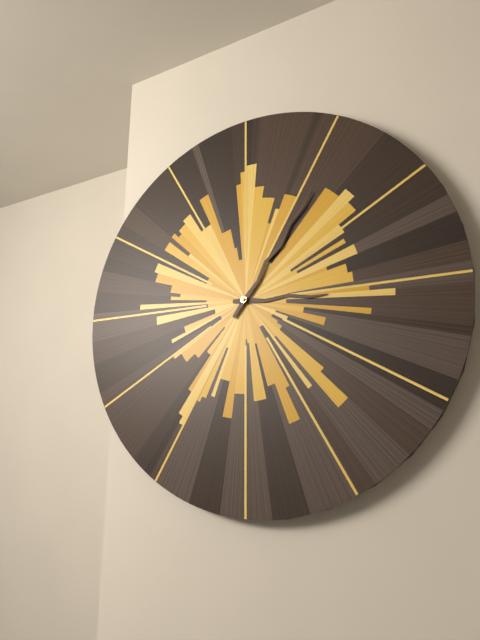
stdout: 3 h 06 min
